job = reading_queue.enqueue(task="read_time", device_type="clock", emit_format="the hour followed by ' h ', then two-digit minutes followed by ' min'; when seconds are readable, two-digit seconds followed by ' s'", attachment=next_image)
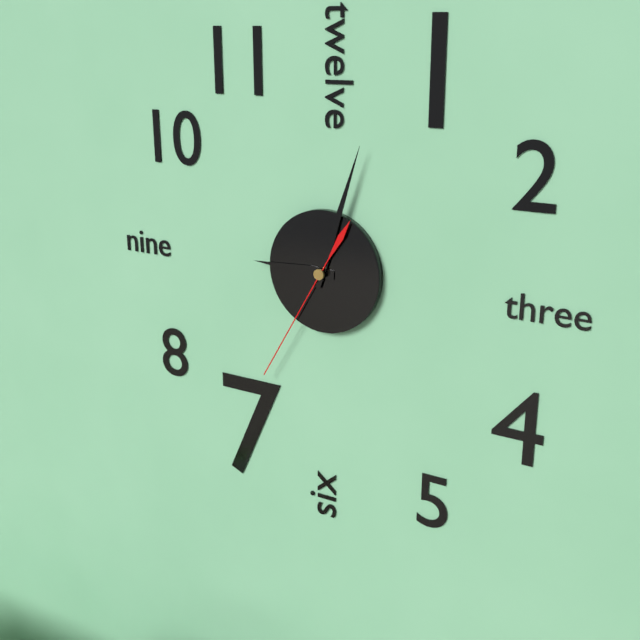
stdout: 9 h 03 min 35 s
